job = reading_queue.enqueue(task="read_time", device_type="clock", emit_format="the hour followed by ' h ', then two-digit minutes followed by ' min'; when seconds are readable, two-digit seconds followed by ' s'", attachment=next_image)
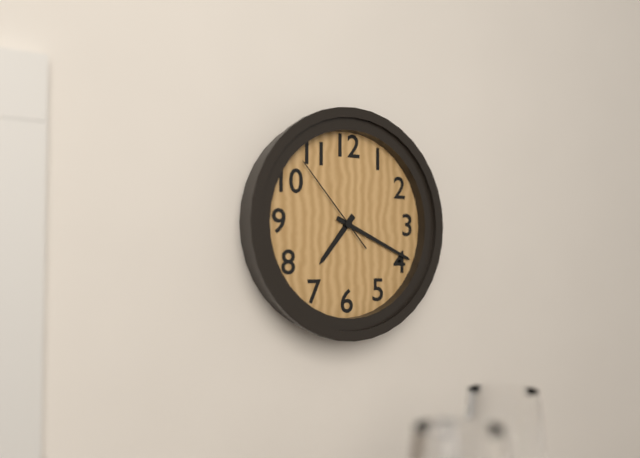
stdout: 7 h 19 min 53 s
